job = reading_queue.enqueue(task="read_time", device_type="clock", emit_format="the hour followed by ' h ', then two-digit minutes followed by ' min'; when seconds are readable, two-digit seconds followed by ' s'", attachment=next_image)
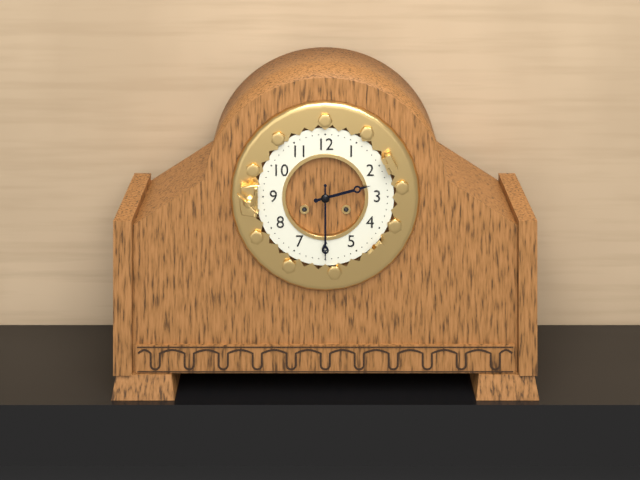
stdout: 2 h 30 min
